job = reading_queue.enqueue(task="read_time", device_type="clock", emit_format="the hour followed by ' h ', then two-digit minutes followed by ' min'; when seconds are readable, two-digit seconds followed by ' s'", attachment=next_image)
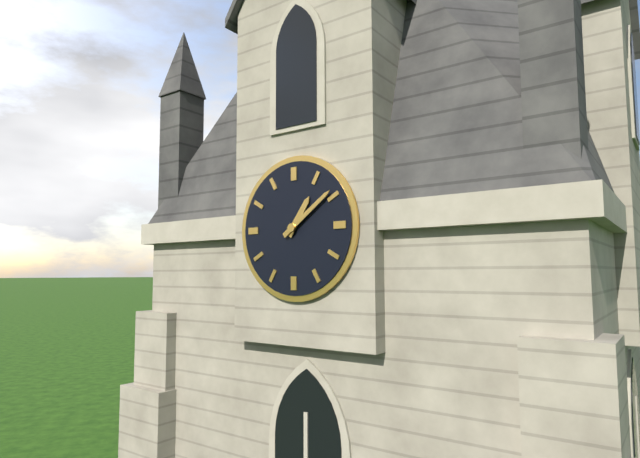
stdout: 1 h 09 min
